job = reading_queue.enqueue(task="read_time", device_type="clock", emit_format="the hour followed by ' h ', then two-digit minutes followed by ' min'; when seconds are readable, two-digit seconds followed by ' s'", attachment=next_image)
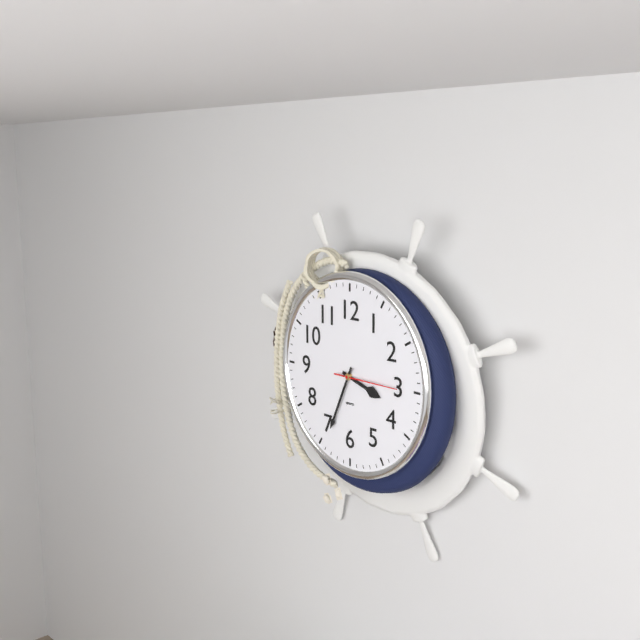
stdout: 3 h 34 min 15 s
